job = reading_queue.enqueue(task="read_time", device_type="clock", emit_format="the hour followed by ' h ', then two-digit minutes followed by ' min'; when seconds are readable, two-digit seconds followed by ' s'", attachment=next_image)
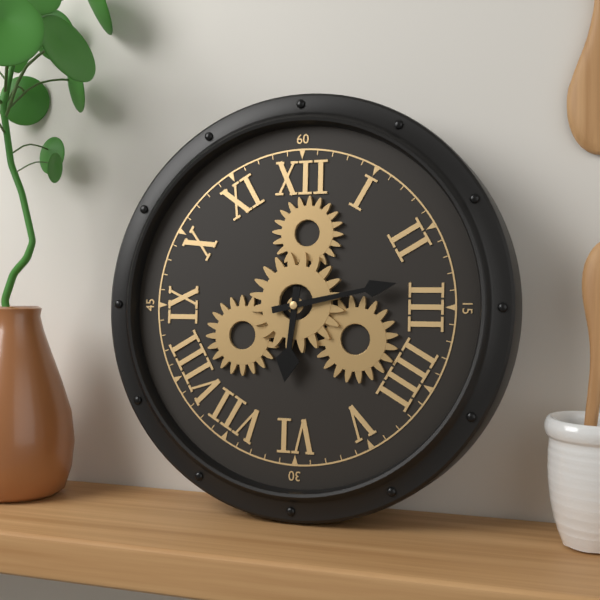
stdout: 6 h 13 min
